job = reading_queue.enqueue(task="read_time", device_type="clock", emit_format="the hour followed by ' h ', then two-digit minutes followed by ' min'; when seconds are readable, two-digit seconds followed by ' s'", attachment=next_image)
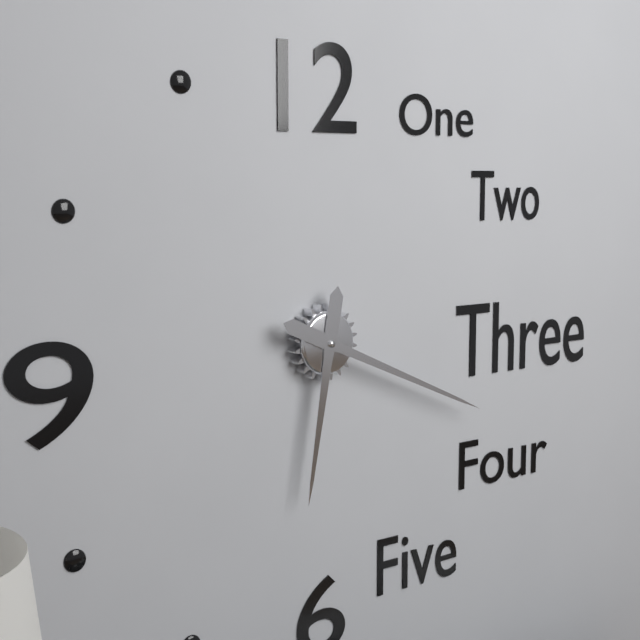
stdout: 6 h 19 min
